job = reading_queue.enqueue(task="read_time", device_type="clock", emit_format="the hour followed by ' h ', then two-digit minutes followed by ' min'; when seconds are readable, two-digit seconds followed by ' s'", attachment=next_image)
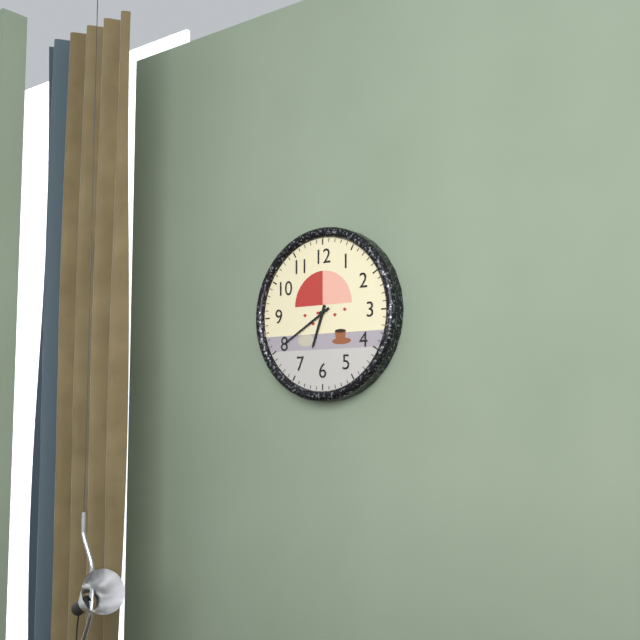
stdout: 6 h 40 min
